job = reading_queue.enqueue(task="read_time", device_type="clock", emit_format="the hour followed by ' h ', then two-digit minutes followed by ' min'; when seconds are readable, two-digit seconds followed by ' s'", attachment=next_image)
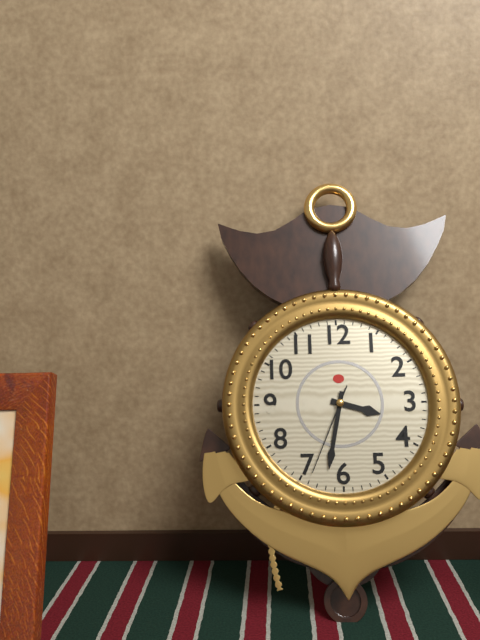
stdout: 3 h 32 min 34 s
